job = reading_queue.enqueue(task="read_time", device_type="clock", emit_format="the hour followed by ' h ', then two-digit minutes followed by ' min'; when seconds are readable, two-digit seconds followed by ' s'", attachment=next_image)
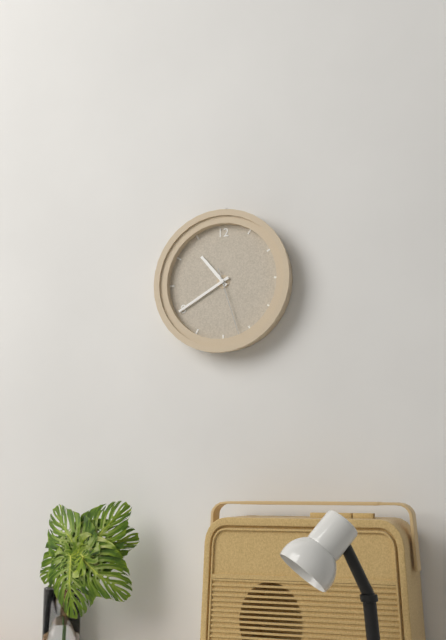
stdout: 10 h 40 min 27 s
